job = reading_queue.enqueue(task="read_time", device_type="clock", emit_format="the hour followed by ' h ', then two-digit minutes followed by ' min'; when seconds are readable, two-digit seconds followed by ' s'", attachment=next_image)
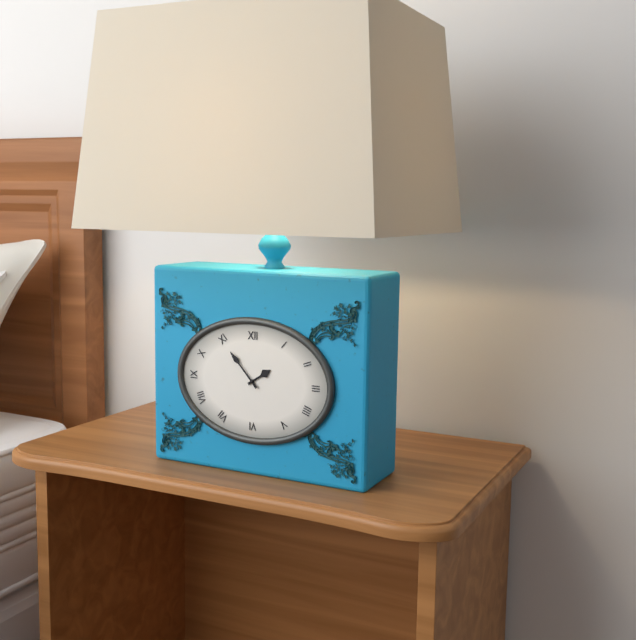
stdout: 1 h 53 min
